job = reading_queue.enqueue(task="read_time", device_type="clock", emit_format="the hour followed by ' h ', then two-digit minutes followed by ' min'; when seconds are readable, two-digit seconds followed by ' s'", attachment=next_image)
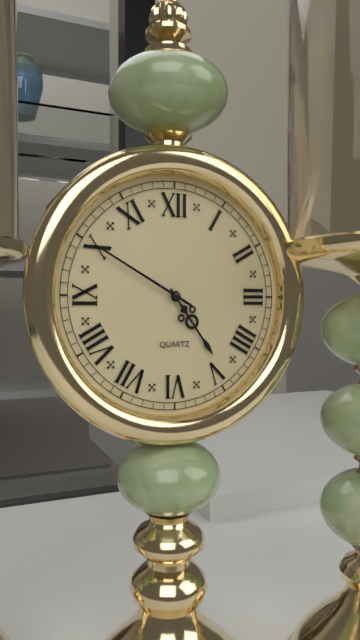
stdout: 4 h 50 min
